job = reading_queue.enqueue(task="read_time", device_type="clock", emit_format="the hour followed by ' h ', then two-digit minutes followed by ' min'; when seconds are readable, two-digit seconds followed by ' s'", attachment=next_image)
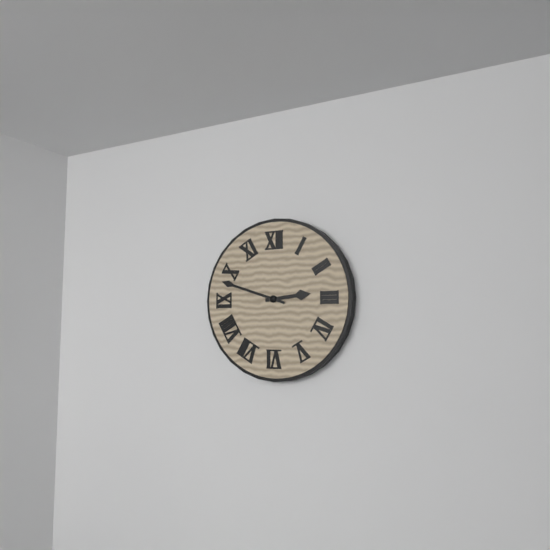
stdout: 2 h 48 min
